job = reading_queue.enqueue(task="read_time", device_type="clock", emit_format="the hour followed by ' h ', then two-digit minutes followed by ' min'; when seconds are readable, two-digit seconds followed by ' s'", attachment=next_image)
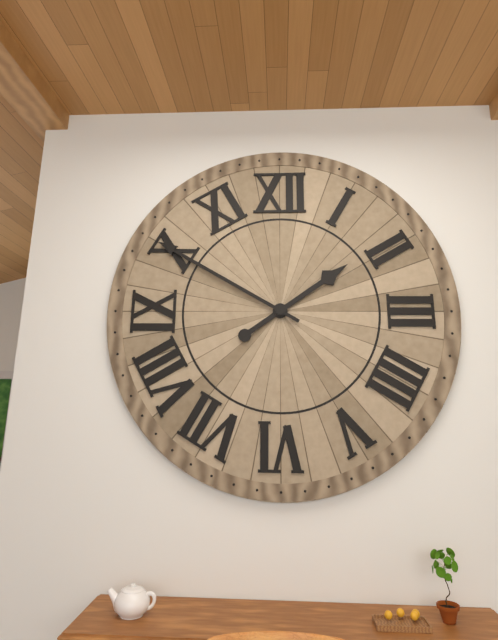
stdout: 1 h 50 min
